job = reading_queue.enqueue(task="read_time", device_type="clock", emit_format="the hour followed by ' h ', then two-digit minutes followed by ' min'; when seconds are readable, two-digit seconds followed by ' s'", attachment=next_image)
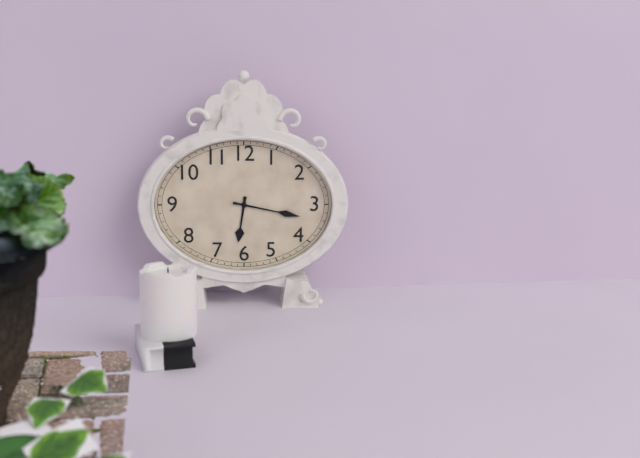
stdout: 6 h 17 min
